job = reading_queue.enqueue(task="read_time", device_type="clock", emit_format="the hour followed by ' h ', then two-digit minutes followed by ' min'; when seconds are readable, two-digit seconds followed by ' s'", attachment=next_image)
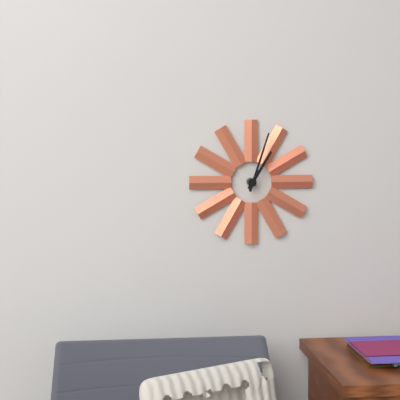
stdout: 1 h 03 min
